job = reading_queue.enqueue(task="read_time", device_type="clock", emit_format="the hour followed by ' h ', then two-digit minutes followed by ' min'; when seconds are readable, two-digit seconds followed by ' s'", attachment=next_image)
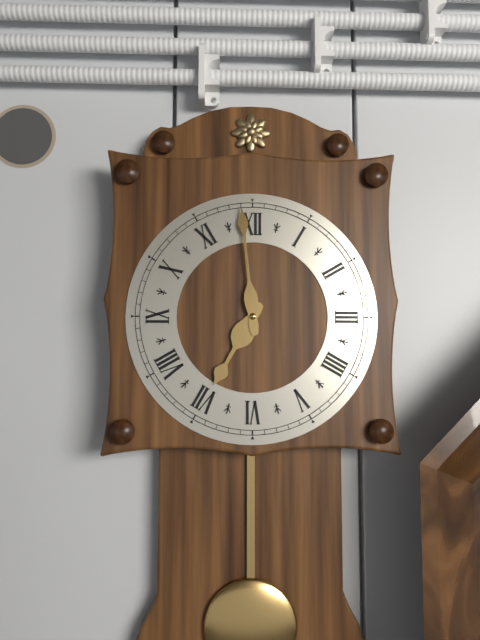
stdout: 6 h 59 min
